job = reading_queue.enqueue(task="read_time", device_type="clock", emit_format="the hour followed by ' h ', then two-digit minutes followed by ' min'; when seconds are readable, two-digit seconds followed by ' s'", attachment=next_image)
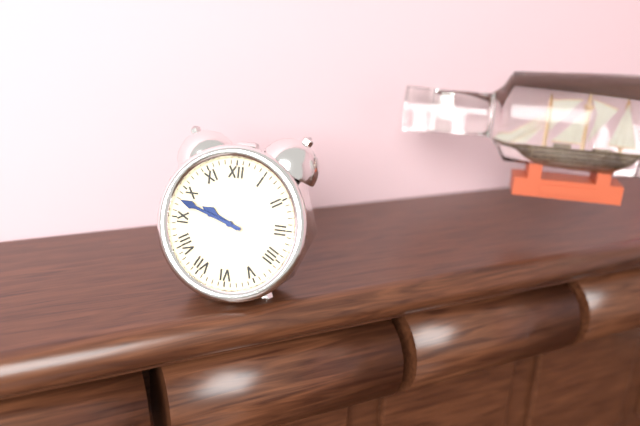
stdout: 9 h 48 min
